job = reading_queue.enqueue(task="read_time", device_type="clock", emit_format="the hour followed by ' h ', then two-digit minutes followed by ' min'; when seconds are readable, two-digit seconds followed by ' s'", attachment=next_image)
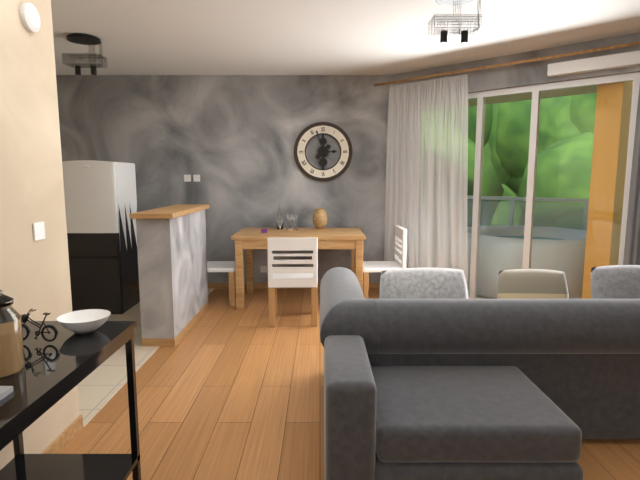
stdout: 2 h 57 min
